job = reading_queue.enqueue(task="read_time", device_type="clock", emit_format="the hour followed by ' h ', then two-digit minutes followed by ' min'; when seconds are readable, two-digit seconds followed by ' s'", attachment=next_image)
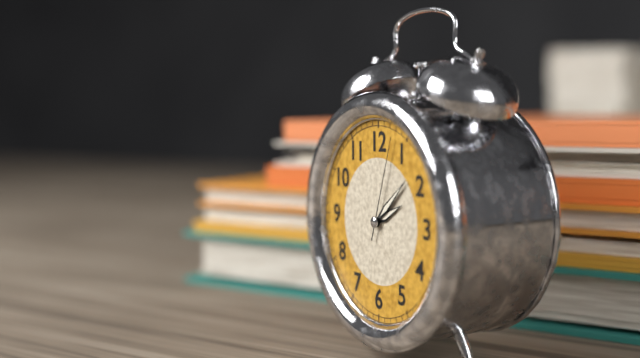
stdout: 2 h 08 min 03 s
